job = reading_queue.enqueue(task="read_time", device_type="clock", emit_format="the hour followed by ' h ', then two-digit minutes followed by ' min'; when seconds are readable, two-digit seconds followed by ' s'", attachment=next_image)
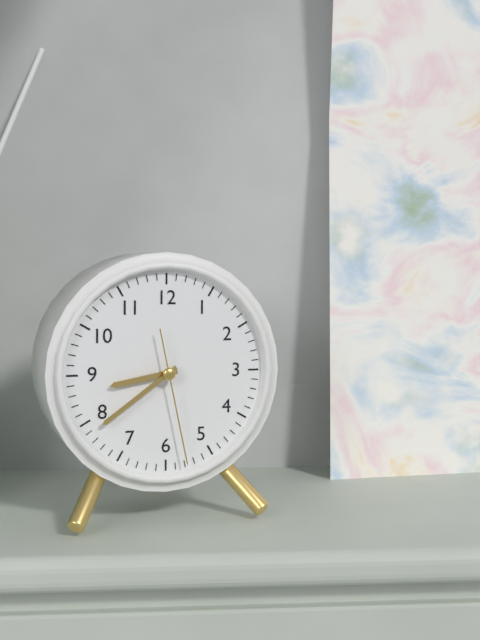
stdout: 8 h 39 min 28 s
